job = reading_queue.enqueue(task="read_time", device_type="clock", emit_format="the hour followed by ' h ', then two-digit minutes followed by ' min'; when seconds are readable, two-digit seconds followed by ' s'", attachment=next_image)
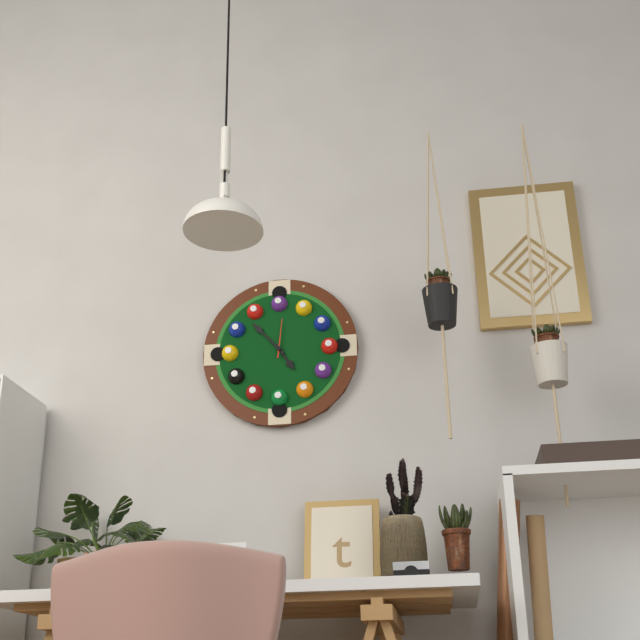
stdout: 4 h 53 min
